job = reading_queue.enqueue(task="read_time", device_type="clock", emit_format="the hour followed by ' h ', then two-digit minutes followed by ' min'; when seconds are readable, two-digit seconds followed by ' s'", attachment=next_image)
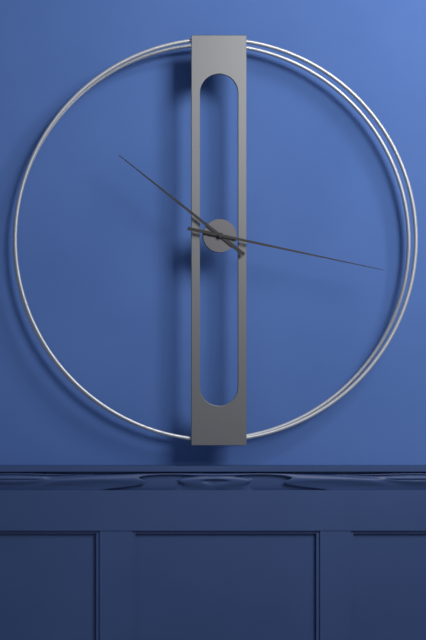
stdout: 10 h 17 min
